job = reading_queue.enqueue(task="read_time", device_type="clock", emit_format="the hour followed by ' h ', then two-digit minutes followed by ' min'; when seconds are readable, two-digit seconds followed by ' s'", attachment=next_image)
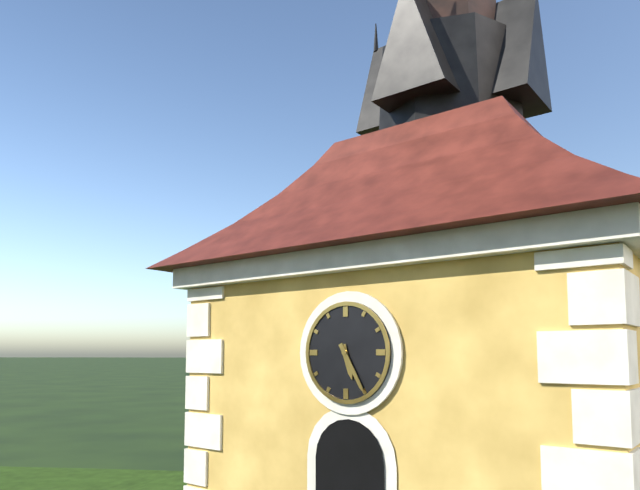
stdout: 5 h 25 min
